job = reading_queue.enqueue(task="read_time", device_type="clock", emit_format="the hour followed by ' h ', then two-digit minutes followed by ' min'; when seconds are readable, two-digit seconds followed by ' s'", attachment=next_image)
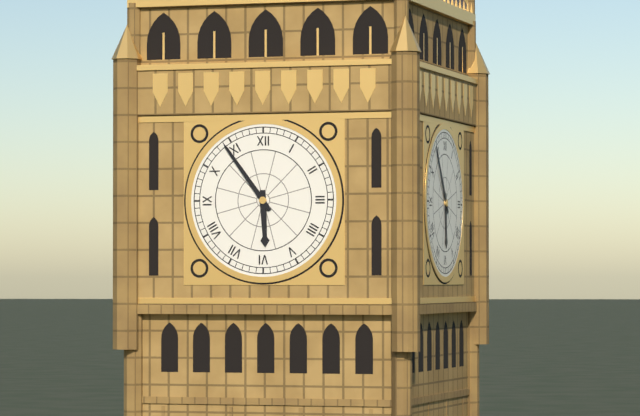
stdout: 5 h 54 min
